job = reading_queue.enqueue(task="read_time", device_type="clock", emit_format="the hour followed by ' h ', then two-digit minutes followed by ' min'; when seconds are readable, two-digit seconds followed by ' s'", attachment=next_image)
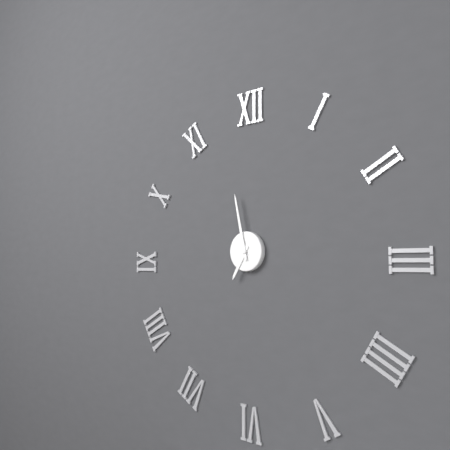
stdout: 6 h 58 min
